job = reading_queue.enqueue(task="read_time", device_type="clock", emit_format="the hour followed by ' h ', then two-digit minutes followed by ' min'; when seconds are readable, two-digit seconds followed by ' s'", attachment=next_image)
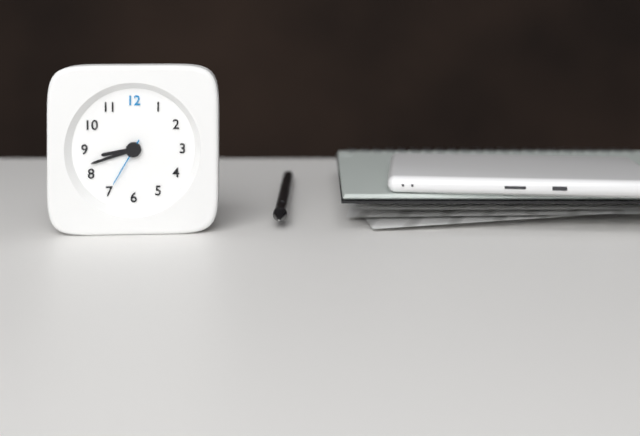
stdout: 8 h 42 min 35 s
